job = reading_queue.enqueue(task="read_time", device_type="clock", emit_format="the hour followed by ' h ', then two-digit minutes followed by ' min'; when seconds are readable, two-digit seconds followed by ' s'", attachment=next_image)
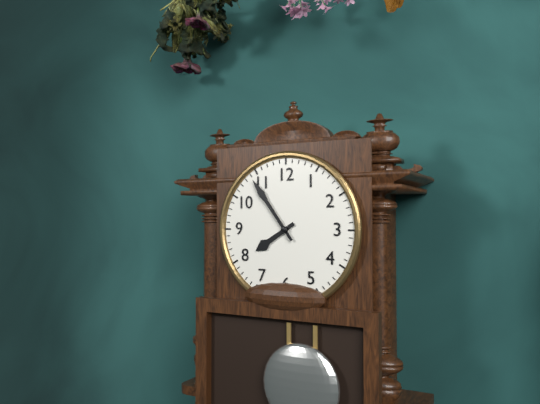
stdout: 7 h 54 min
